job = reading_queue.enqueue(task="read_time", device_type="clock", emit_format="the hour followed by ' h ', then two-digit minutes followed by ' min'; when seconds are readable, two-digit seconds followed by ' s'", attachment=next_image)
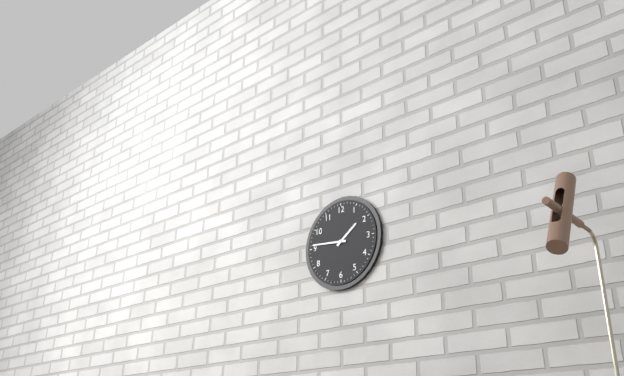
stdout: 1 h 46 min
